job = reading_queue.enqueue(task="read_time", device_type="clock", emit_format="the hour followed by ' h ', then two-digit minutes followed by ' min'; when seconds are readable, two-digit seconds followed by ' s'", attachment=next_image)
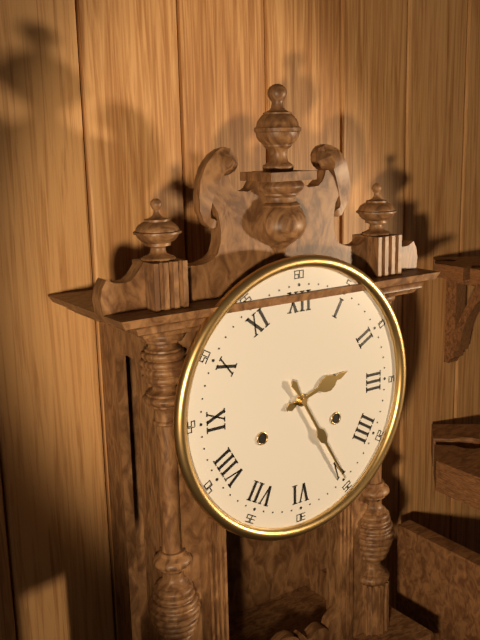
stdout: 2 h 25 min
